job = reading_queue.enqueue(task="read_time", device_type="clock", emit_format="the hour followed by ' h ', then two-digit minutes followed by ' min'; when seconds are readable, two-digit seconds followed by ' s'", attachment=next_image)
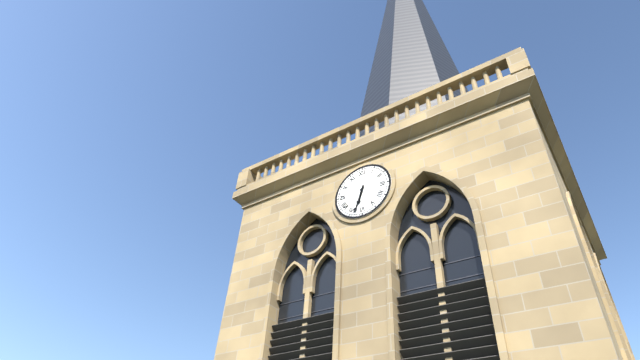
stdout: 6 h 33 min
